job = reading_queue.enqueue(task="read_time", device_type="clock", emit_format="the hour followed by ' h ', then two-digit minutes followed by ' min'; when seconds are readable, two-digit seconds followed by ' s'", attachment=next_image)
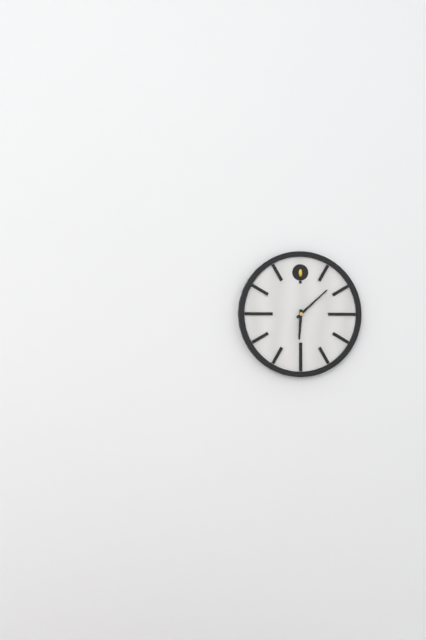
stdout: 6 h 08 min
